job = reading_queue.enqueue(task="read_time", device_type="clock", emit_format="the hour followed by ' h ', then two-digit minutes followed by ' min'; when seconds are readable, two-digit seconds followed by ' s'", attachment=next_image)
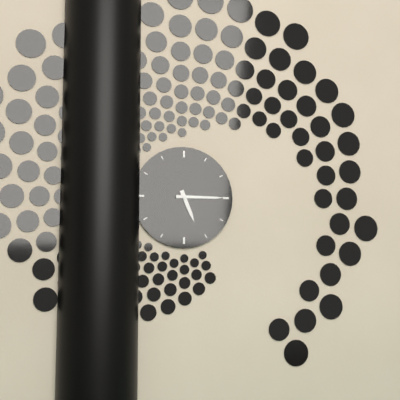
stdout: 5 h 15 min
